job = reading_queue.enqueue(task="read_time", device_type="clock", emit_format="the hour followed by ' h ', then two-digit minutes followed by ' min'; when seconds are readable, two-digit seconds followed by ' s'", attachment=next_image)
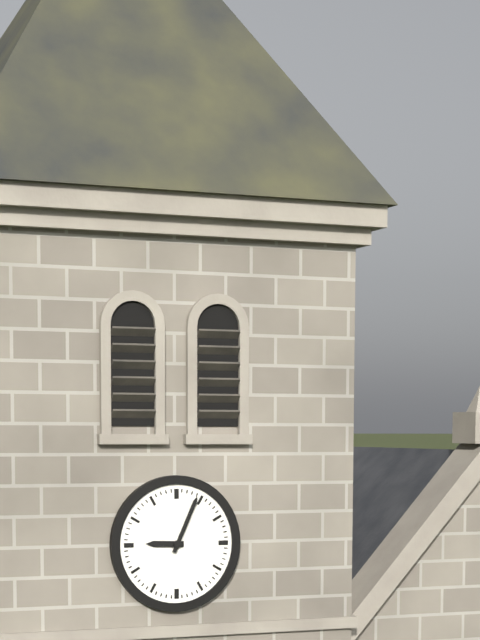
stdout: 9 h 04 min
